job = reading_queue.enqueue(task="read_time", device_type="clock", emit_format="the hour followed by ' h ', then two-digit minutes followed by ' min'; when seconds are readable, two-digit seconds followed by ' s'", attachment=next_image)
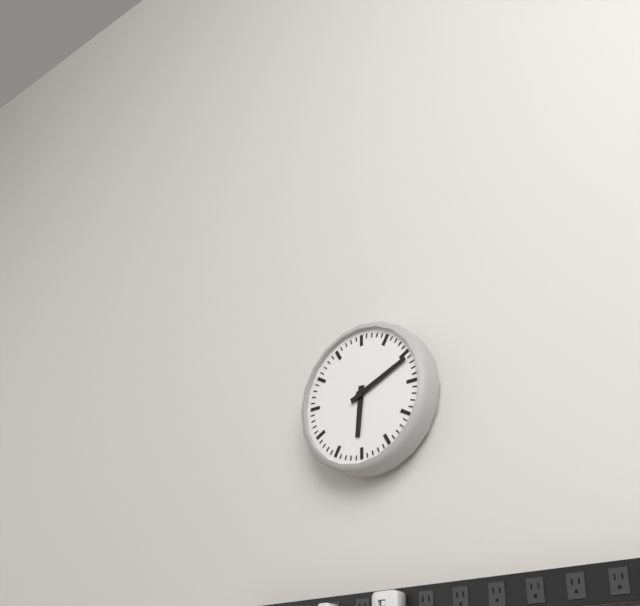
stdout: 6 h 11 min
